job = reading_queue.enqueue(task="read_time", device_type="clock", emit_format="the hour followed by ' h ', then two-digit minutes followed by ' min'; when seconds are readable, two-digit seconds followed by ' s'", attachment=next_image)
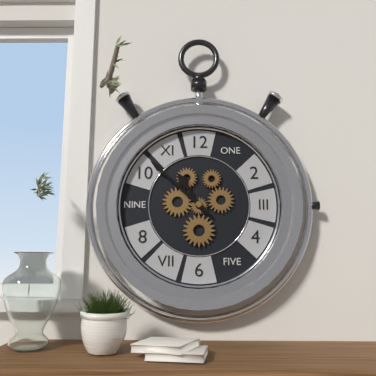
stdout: 10 h 52 min
